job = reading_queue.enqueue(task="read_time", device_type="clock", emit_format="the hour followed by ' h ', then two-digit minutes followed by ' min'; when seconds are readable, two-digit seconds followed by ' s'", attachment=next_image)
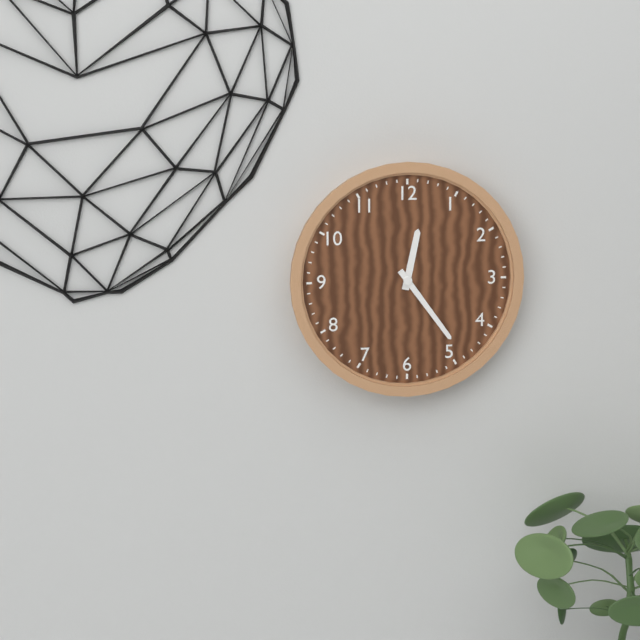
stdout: 12 h 24 min
